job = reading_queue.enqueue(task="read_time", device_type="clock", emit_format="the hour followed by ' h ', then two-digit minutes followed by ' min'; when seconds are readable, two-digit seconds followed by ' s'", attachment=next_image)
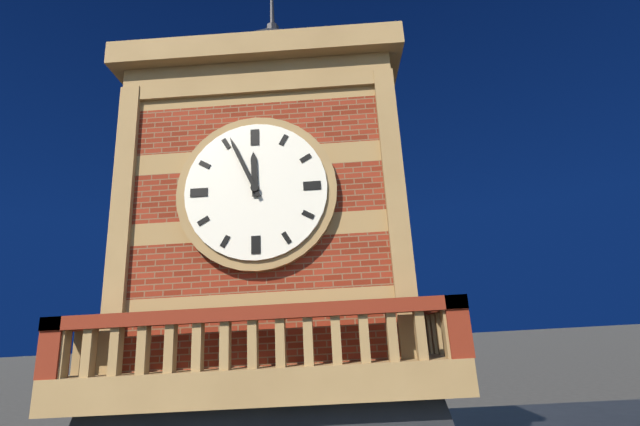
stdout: 11 h 56 min
